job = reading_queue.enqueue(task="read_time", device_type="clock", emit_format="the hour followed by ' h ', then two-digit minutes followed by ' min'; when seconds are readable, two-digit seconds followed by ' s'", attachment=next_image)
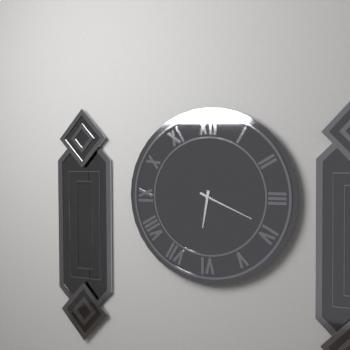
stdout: 6 h 19 min
